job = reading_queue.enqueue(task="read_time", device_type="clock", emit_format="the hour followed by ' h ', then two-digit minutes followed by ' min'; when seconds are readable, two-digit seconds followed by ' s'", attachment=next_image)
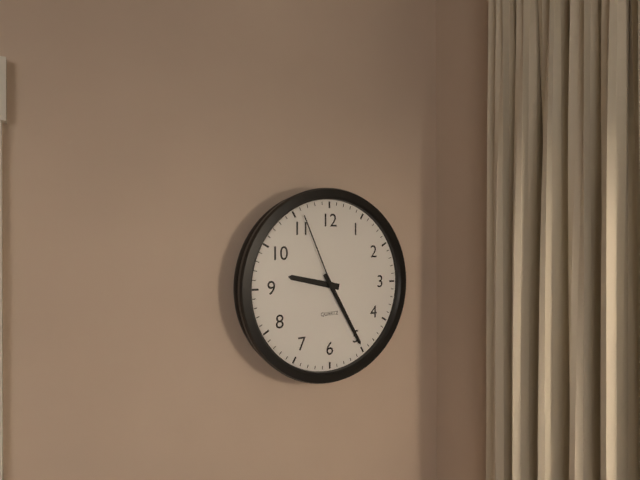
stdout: 9 h 25 min 56 s
